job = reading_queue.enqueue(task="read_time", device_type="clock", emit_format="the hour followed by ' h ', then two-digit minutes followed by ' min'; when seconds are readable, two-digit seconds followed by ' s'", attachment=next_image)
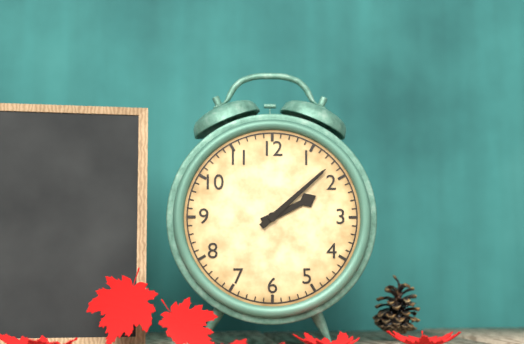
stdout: 2 h 08 min
